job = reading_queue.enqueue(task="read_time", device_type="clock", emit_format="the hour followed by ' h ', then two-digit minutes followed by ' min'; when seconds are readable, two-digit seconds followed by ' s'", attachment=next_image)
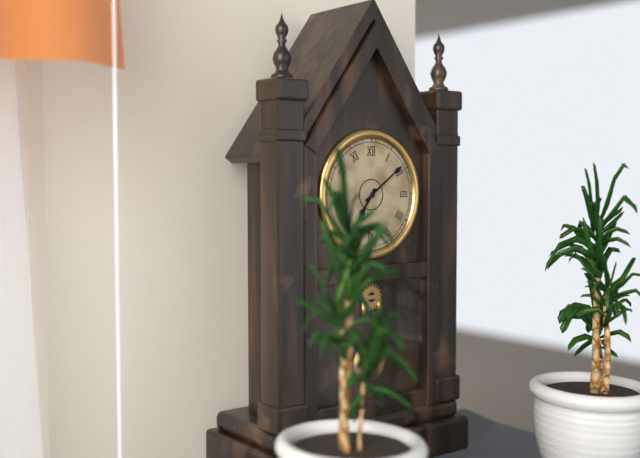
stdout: 7 h 09 min
